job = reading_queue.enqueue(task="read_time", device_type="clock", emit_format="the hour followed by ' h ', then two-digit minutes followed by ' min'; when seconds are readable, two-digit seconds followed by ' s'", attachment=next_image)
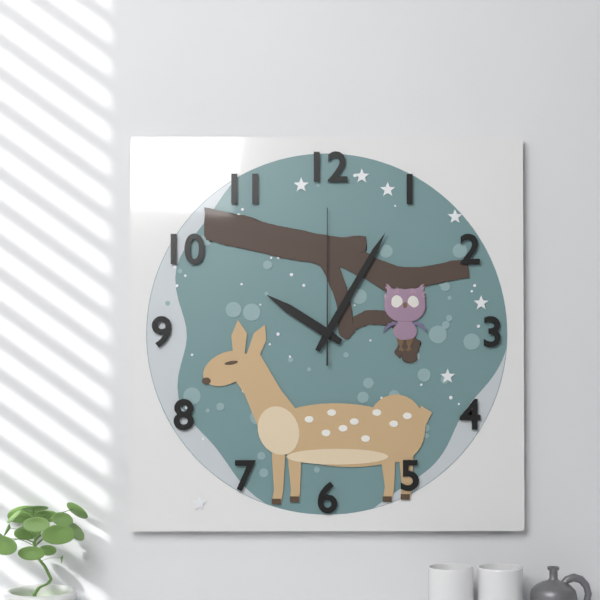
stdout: 10 h 05 min 00 s
